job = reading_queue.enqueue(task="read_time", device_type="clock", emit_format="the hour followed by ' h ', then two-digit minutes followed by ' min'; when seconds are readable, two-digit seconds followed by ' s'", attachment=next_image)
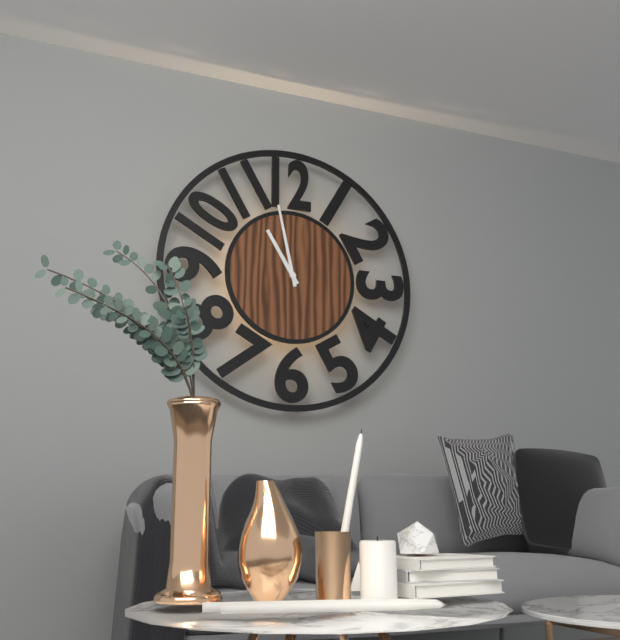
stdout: 10 h 58 min
